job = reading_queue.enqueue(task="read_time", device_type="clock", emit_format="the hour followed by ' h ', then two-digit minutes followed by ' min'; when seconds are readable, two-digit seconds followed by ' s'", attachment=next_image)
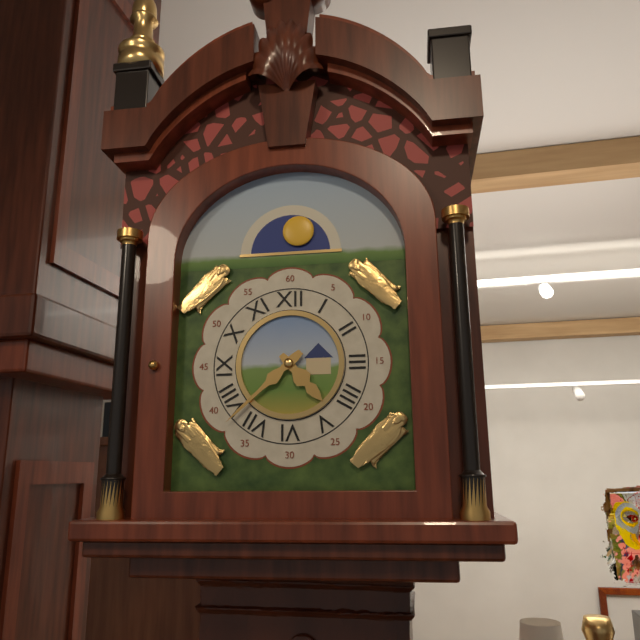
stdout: 4 h 38 min
